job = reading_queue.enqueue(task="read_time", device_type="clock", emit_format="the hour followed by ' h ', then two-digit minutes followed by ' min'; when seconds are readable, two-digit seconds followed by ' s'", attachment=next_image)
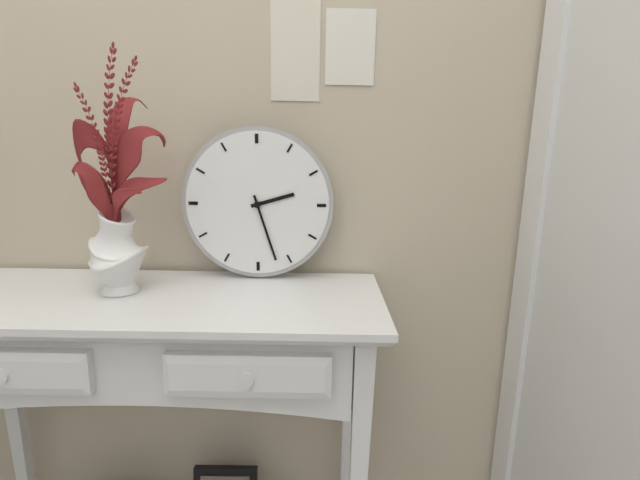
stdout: 2 h 27 min
